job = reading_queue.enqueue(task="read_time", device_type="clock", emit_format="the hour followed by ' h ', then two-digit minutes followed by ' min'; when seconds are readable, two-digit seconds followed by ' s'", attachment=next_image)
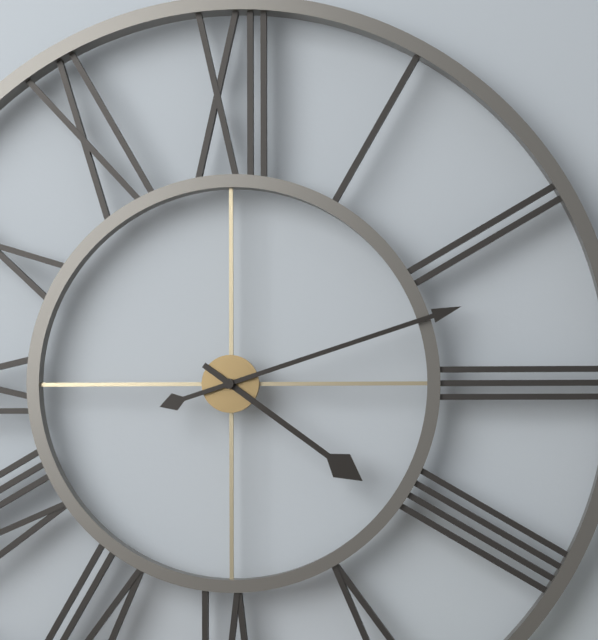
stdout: 4 h 12 min
